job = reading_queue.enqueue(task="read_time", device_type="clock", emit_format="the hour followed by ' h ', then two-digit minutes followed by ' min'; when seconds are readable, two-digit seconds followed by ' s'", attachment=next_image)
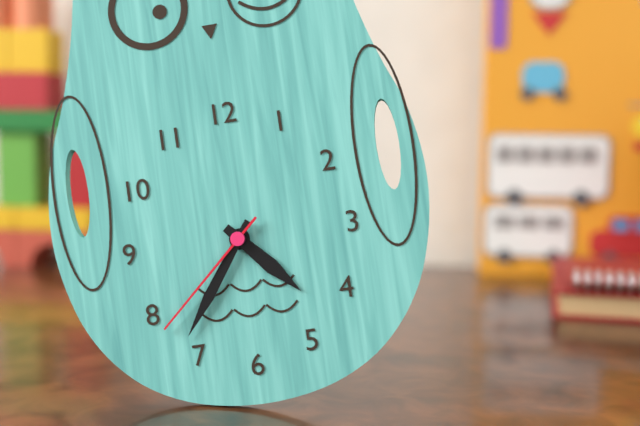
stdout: 4 h 36 min 38 s
